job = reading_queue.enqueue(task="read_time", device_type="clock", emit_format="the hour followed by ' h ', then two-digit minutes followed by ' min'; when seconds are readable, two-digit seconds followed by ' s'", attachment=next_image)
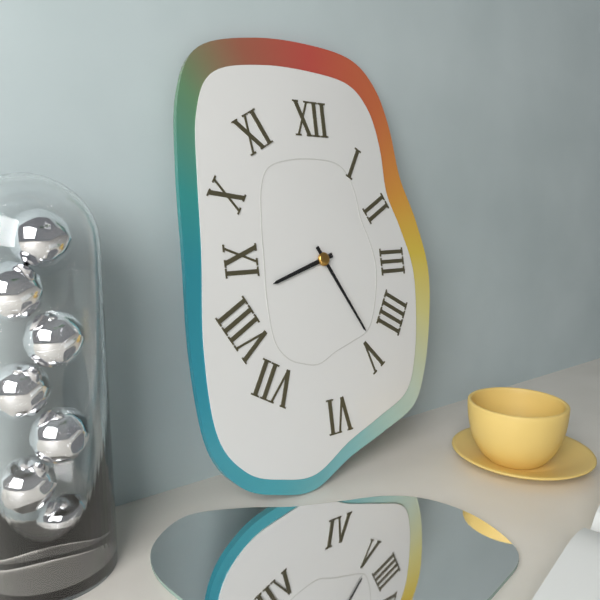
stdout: 8 h 25 min
